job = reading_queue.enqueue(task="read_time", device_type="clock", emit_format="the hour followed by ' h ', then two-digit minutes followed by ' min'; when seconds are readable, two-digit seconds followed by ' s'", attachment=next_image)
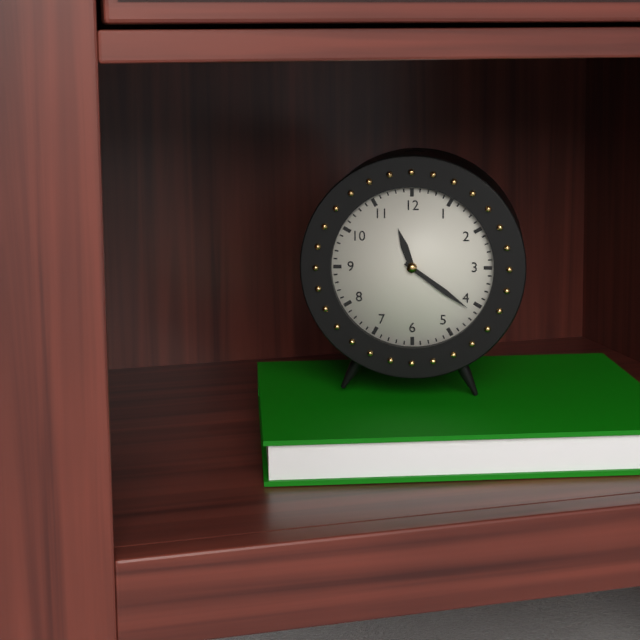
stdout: 11 h 21 min
